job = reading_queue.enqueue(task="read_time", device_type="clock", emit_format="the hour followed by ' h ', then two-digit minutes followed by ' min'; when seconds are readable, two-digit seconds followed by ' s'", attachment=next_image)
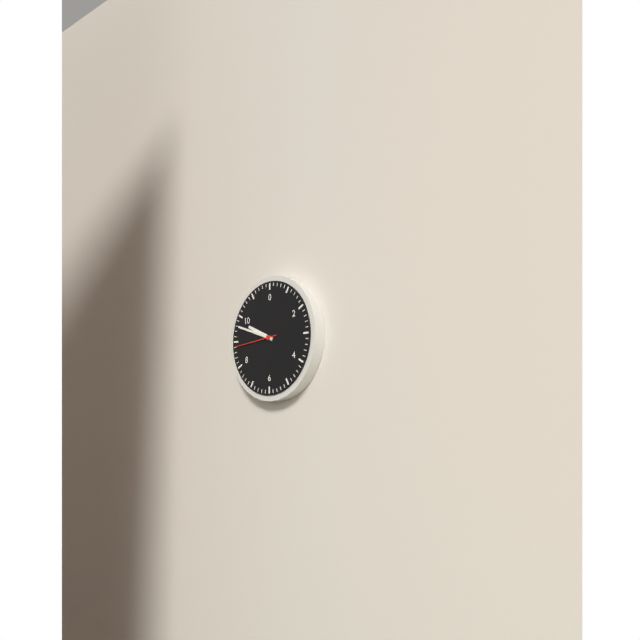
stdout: 9 h 48 min
